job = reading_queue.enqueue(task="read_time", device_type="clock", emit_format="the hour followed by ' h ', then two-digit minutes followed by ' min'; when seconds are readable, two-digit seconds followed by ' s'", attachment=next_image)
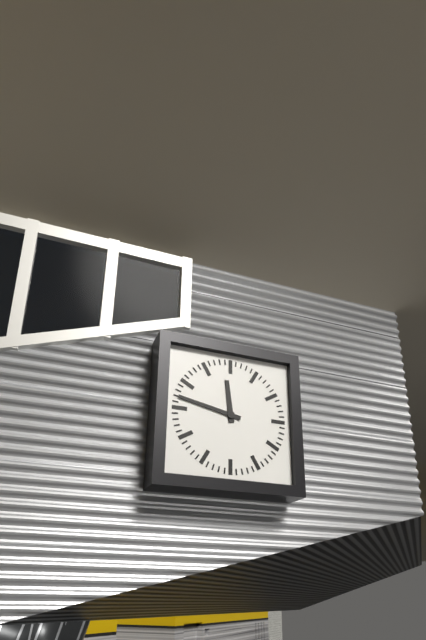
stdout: 11 h 47 min
